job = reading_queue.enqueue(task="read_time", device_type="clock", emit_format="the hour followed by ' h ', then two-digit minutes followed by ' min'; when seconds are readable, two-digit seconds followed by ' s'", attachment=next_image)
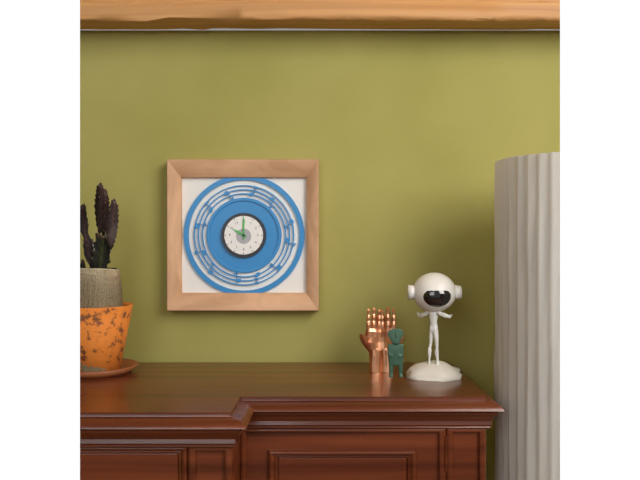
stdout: 10 h 00 min
